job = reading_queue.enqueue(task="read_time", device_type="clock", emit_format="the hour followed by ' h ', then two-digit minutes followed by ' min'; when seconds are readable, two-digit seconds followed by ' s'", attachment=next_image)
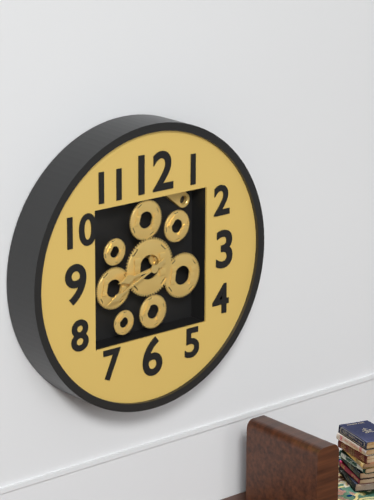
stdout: 8 h 41 min
